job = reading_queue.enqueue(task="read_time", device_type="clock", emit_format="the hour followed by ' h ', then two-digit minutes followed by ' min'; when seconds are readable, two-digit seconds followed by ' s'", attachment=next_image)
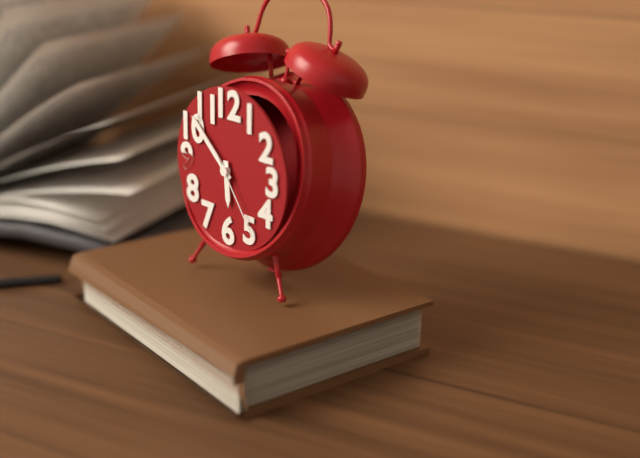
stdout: 5 h 52 min 24 s
